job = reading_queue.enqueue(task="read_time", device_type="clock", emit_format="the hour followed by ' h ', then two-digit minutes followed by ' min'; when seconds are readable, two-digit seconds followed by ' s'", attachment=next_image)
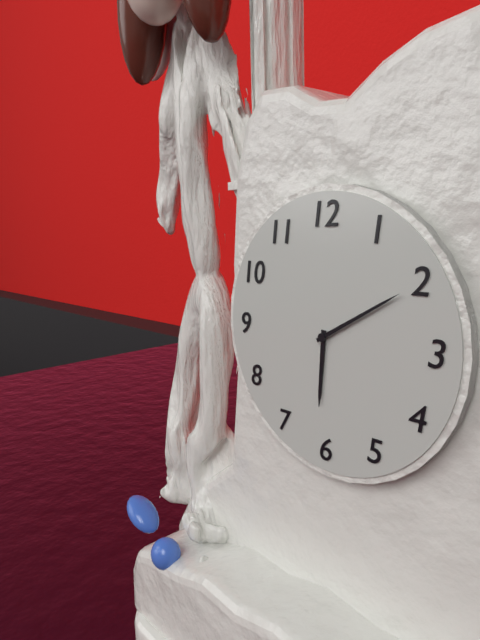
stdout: 6 h 10 min
